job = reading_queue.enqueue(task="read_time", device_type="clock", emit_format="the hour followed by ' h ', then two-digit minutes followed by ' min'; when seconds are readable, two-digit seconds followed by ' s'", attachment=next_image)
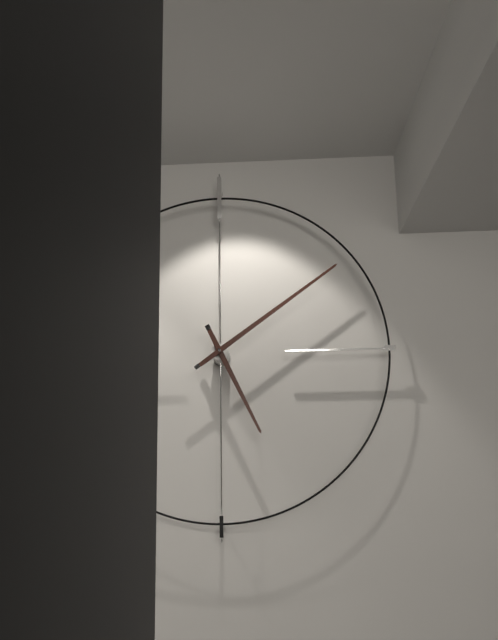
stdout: 5 h 09 min
